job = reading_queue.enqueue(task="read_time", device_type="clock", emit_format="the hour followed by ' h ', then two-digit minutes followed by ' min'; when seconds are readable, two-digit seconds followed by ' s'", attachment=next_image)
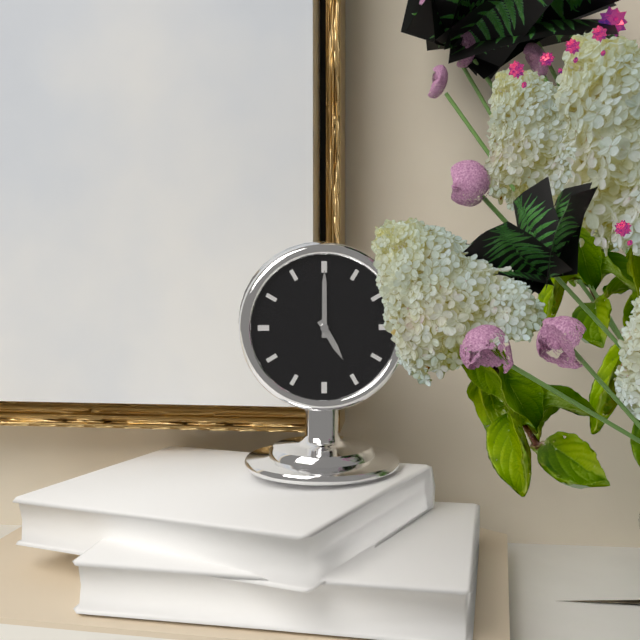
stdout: 5 h 00 min
